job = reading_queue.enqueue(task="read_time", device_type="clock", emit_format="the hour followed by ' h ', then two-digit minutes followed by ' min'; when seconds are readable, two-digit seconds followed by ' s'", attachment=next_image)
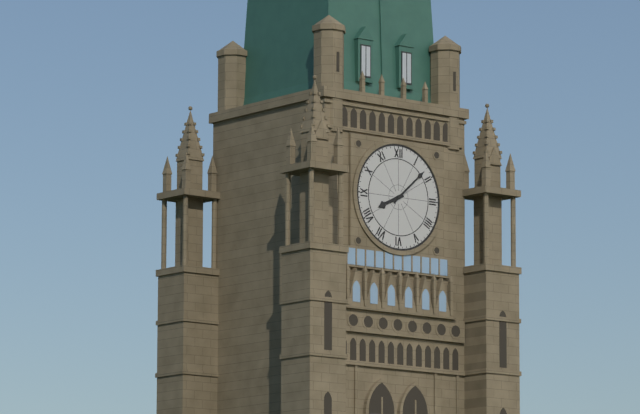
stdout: 8 h 08 min
